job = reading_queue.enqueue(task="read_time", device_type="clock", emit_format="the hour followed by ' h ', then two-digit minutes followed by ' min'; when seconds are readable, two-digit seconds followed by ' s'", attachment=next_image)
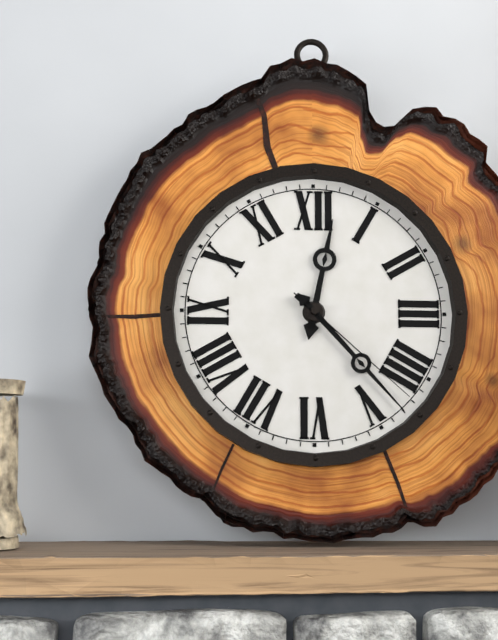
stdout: 12 h 23 min 22 s
